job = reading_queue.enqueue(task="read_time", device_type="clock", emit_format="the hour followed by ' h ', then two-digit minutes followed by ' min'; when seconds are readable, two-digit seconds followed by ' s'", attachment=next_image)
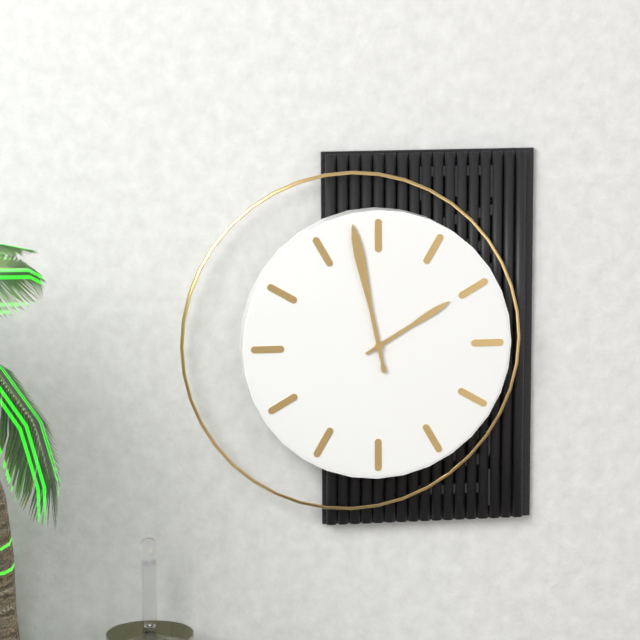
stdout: 1 h 58 min
